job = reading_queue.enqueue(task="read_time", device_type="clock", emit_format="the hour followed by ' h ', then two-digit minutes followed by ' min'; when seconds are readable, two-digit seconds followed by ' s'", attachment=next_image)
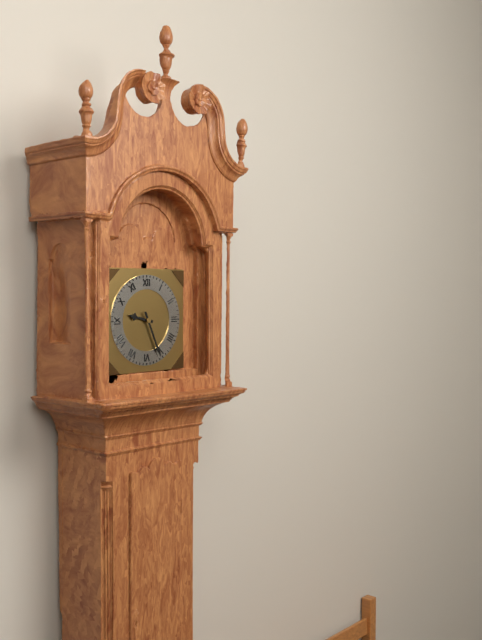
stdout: 9 h 26 min
